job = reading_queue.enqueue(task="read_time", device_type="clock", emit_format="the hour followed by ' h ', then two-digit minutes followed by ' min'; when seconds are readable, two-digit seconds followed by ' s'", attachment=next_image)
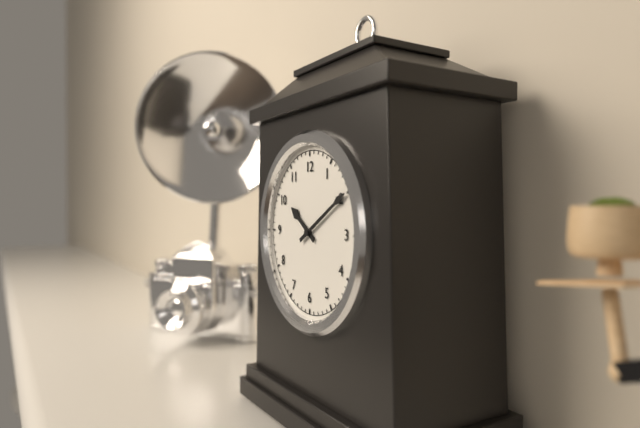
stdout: 10 h 10 min
